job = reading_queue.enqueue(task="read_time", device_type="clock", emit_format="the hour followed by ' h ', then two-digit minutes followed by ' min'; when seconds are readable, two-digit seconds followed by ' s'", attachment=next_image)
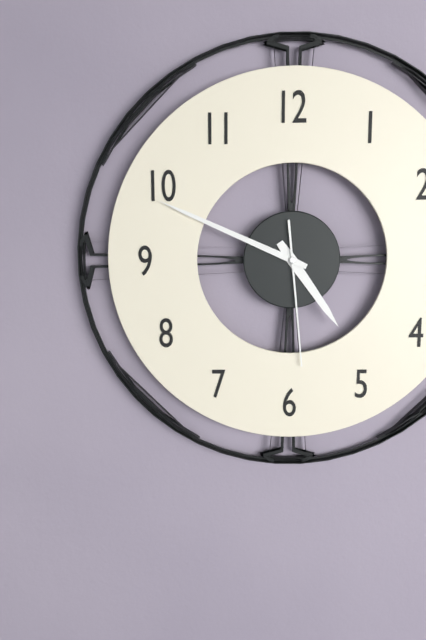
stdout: 4 h 49 min 29 s
